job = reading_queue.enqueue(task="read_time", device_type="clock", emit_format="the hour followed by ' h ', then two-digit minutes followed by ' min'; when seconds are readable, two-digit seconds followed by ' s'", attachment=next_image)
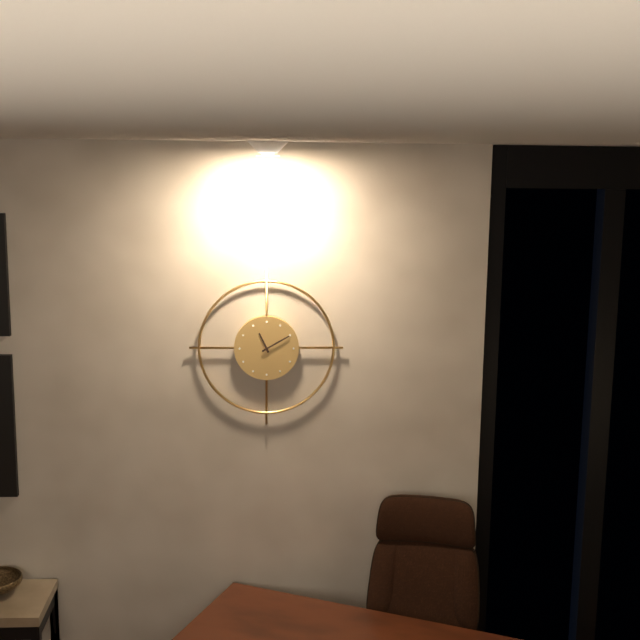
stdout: 11 h 10 min
